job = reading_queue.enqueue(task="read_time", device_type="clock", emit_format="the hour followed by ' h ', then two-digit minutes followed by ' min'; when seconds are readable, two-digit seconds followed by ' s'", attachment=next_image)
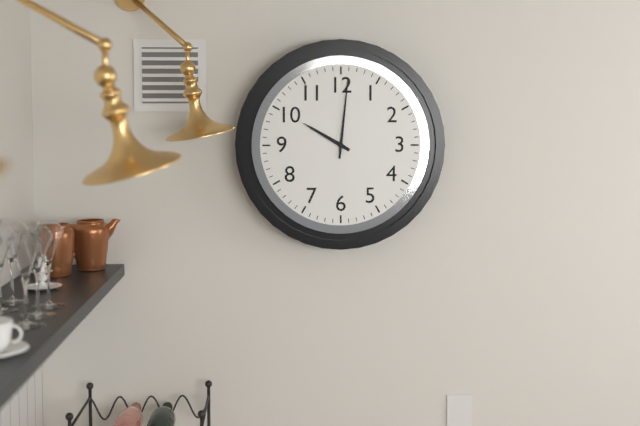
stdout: 10 h 01 min
